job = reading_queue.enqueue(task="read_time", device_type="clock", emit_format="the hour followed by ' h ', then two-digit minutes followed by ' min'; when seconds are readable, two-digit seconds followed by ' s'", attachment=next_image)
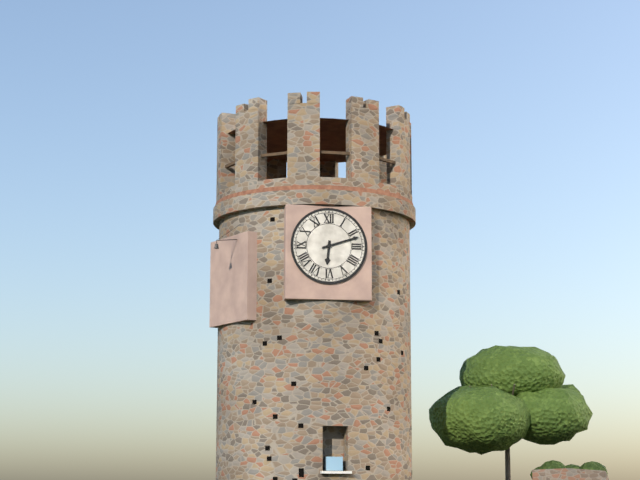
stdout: 6 h 12 min
